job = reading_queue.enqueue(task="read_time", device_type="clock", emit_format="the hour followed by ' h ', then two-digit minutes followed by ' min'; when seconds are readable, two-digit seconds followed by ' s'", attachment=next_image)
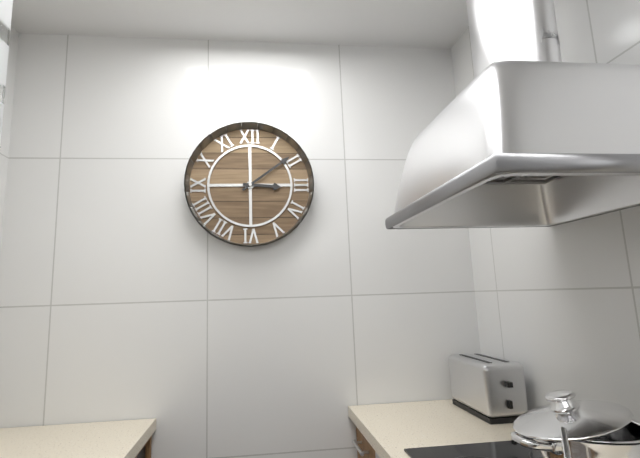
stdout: 3 h 09 min
